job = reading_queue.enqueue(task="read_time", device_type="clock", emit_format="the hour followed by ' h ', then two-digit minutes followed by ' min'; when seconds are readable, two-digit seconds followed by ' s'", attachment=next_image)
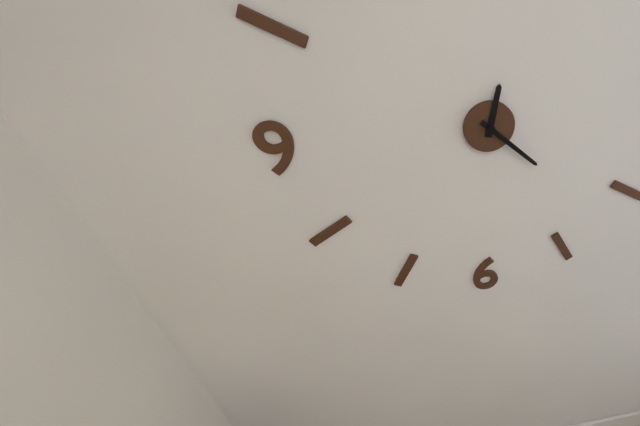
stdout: 12 h 22 min
